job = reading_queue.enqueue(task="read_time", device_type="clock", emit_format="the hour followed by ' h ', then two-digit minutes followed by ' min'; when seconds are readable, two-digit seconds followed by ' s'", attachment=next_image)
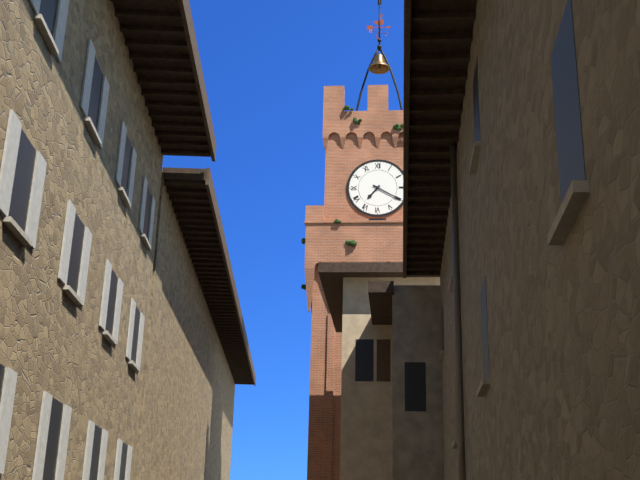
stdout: 7 h 20 min
